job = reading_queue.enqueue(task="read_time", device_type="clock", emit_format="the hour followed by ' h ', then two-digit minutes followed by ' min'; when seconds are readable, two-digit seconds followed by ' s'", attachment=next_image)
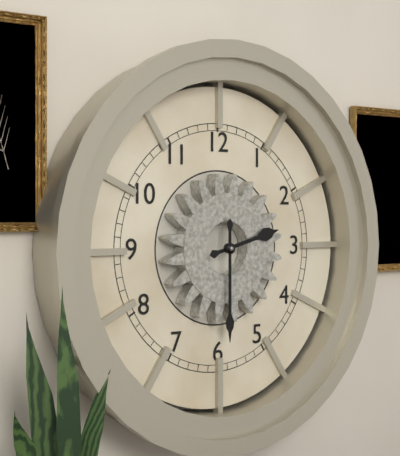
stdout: 2 h 30 min
